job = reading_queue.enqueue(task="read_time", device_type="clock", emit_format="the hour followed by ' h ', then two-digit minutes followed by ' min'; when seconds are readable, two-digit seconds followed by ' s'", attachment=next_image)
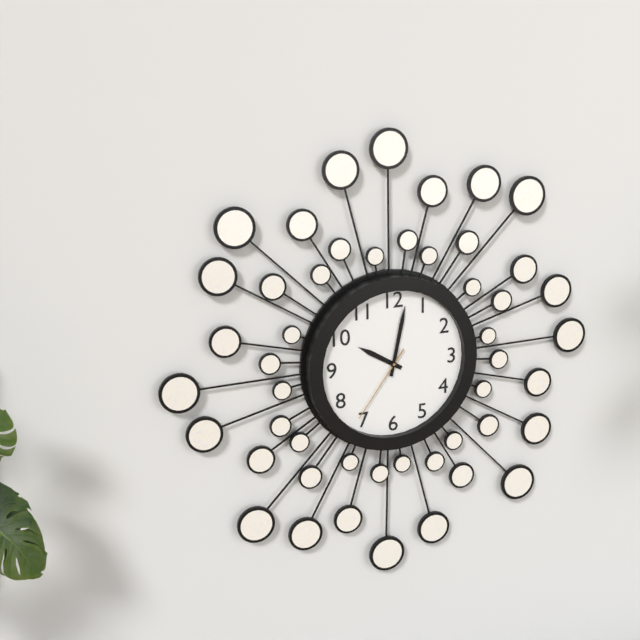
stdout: 10 h 02 min 36 s
